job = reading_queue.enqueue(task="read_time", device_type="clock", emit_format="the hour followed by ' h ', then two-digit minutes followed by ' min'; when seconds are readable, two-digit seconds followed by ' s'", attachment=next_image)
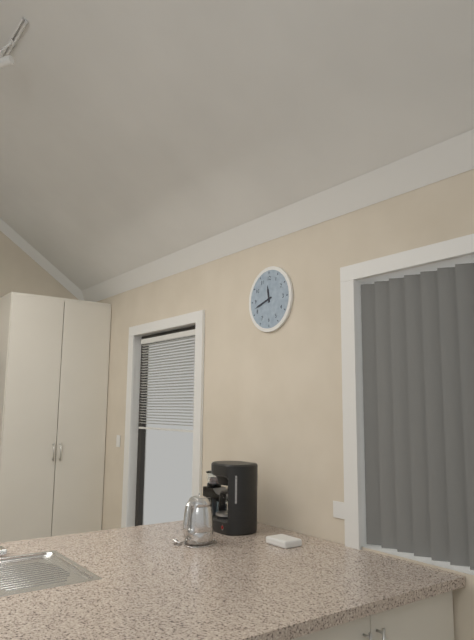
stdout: 11 h 42 min
